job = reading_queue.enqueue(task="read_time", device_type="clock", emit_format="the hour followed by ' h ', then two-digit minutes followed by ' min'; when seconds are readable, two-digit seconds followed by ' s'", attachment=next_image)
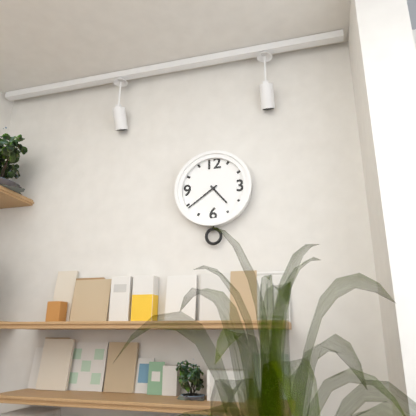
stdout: 4 h 39 min
